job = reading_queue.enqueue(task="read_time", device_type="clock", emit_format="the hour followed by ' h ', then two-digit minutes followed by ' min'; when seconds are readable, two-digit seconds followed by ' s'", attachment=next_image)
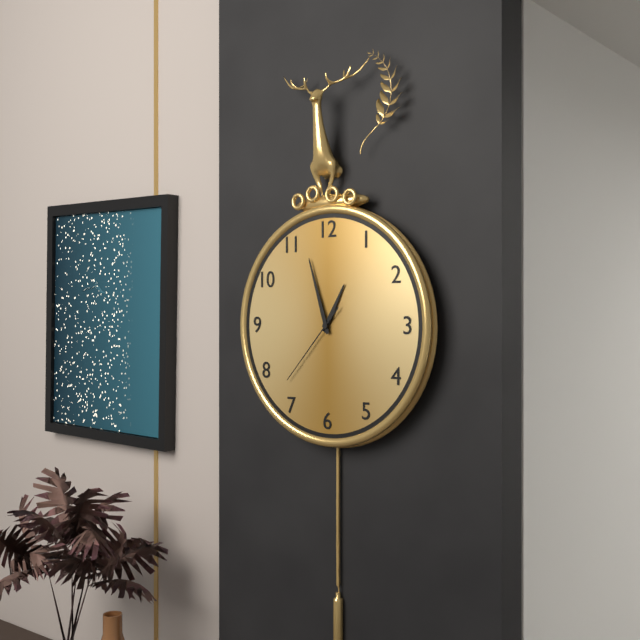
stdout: 12 h 57 min 37 s
